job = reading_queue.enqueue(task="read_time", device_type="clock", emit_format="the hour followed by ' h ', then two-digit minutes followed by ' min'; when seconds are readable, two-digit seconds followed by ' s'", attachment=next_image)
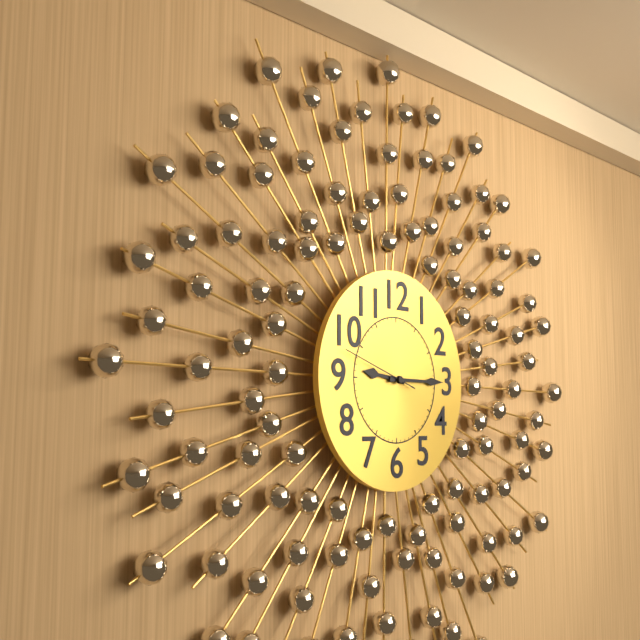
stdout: 9 h 15 min 48 s
